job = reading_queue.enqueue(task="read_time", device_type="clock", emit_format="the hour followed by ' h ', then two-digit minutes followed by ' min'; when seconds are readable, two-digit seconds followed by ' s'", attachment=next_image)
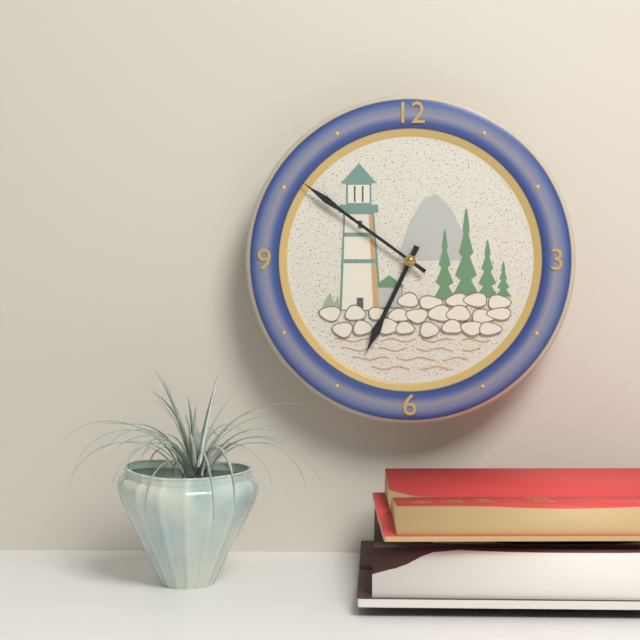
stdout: 6 h 51 min
